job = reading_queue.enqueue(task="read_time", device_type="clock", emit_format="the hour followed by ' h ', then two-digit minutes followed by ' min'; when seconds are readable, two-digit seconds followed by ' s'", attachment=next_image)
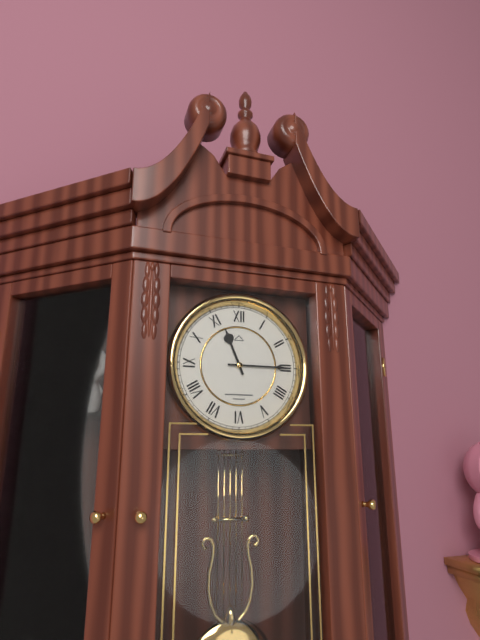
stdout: 11 h 15 min
